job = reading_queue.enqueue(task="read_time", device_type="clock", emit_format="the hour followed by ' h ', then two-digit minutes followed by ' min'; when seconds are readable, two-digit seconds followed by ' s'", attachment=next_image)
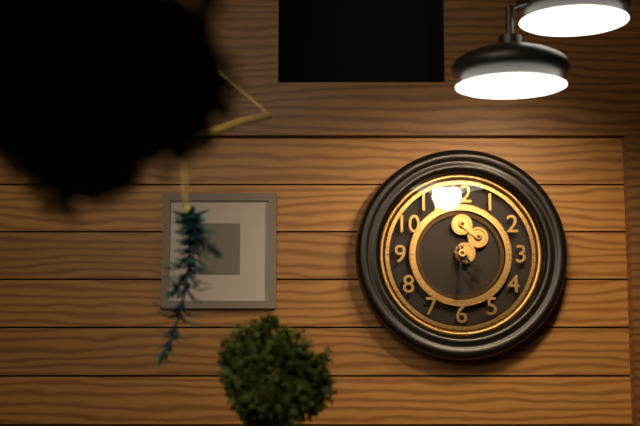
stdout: 4 h 31 min 26 s
